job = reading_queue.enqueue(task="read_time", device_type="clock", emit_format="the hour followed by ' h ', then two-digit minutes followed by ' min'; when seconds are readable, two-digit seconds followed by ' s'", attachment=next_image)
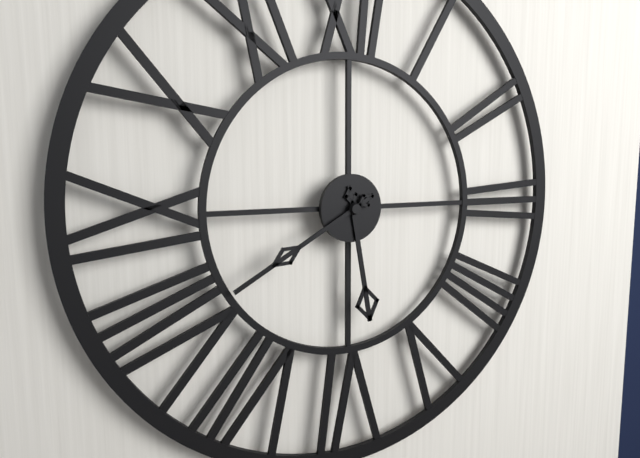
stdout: 5 h 40 min
